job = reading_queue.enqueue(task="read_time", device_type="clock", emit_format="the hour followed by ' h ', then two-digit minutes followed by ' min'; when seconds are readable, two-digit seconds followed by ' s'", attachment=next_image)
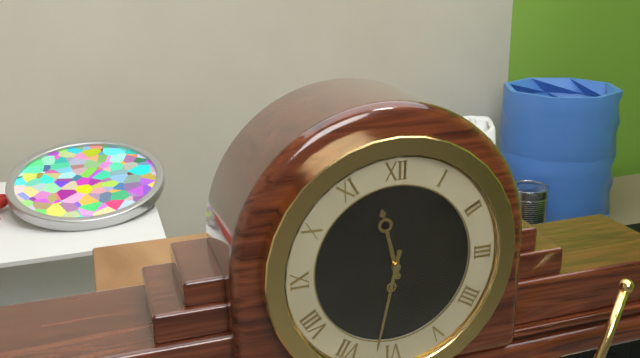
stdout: 11 h 32 min
